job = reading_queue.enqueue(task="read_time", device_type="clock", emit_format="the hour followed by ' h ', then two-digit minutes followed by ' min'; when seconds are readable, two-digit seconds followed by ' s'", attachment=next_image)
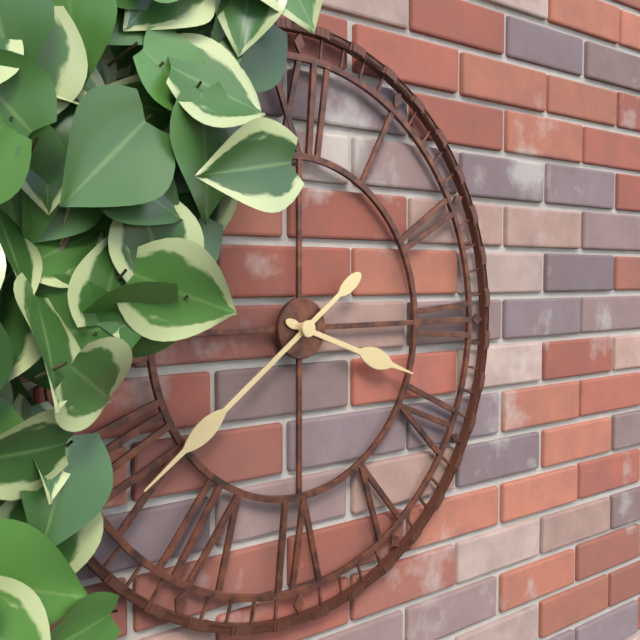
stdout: 3 h 39 min
